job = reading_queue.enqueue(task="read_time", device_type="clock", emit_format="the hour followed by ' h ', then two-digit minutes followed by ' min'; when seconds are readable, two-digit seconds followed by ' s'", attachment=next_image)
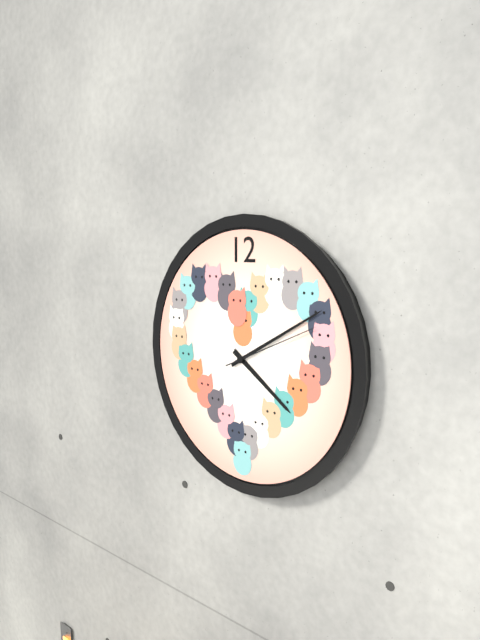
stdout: 4 h 10 min 11 s
